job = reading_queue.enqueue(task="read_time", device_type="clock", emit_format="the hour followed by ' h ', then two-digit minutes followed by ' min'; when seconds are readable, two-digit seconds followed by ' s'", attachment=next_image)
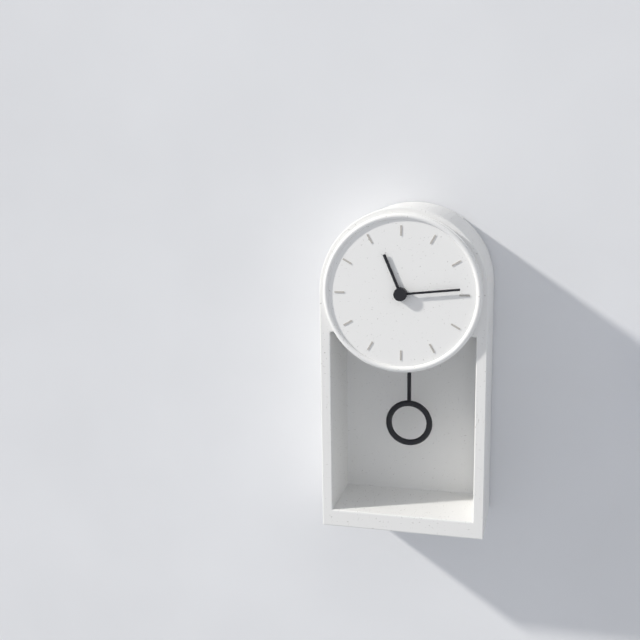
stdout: 11 h 14 min
